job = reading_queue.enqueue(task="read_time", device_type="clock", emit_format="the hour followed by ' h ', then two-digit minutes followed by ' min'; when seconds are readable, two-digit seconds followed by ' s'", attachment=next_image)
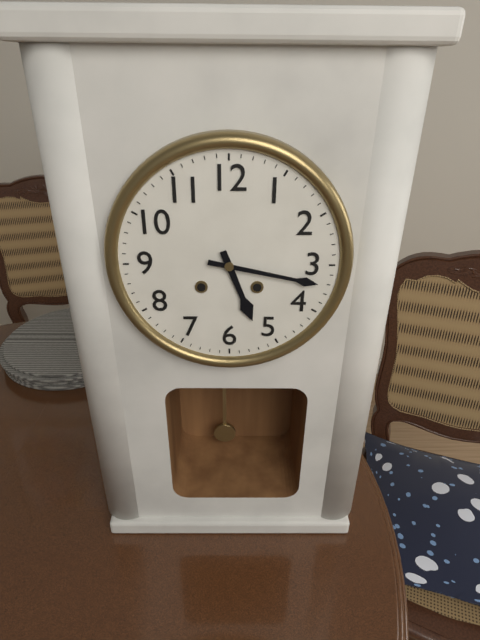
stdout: 5 h 17 min
